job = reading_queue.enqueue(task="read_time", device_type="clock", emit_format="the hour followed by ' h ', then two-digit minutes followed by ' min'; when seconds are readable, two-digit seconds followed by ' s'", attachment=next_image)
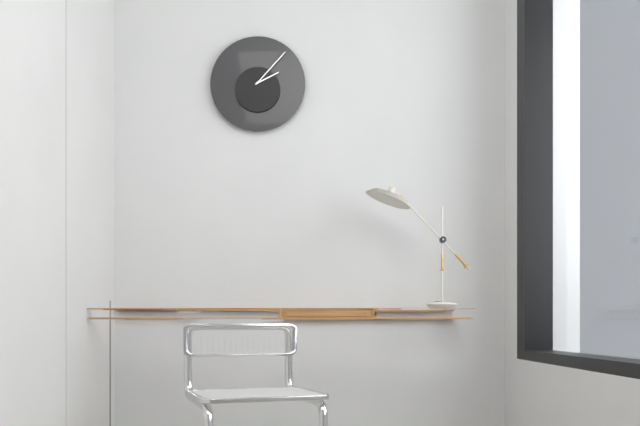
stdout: 2 h 07 min
